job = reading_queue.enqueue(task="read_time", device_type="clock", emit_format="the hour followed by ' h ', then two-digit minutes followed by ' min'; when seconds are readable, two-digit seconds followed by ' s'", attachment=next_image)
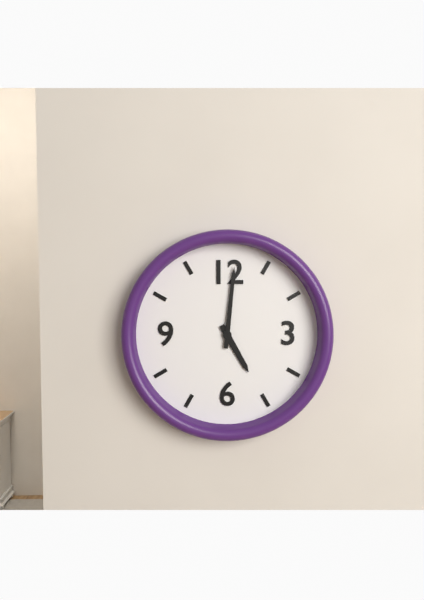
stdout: 5 h 01 min
